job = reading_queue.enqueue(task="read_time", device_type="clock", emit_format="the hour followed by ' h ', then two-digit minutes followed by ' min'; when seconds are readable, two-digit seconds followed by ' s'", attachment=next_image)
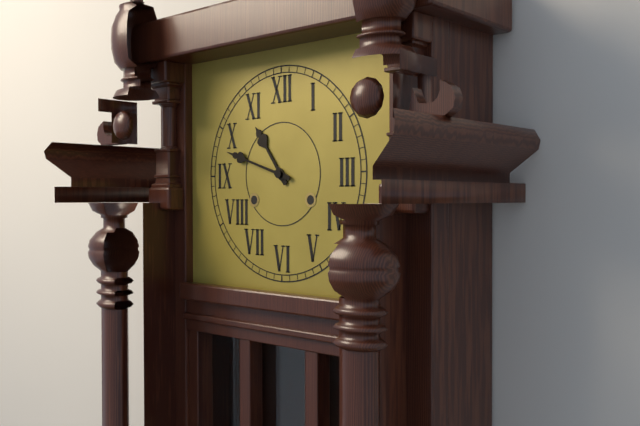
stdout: 10 h 48 min
